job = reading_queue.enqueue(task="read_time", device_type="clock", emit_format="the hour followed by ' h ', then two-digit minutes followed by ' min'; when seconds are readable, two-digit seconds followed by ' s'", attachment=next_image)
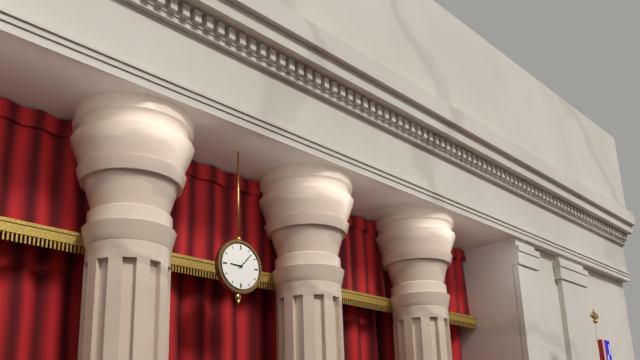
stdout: 9 h 07 min
